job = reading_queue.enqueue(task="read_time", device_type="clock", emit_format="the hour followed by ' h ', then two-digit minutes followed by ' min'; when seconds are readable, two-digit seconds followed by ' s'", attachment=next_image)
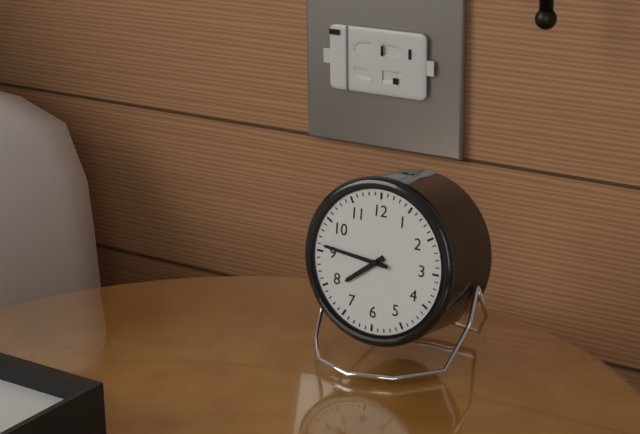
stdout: 7 h 46 min
